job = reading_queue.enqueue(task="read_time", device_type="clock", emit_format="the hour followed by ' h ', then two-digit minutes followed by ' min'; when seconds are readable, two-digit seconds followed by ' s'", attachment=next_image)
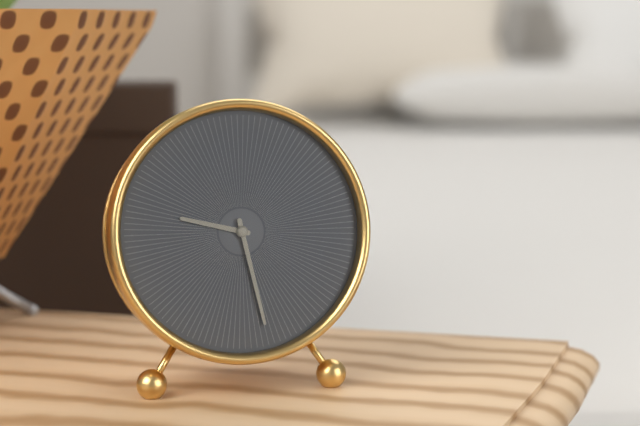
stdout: 9 h 28 min
